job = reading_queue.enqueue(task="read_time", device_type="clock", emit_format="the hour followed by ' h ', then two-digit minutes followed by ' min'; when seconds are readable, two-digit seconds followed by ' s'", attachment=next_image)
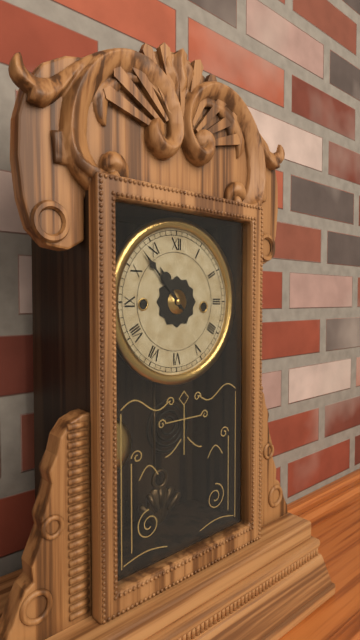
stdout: 10 h 53 min
